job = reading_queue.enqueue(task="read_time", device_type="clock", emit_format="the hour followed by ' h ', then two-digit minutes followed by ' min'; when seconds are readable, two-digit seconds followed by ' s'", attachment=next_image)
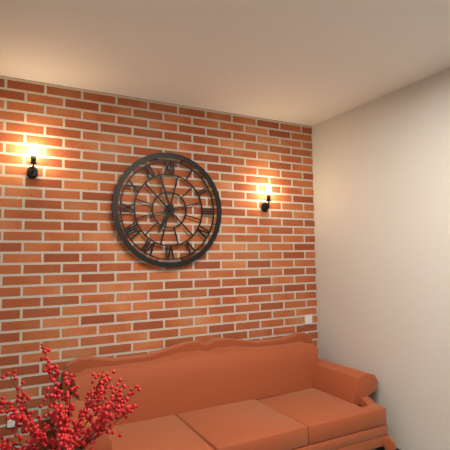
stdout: 6 h 57 min
